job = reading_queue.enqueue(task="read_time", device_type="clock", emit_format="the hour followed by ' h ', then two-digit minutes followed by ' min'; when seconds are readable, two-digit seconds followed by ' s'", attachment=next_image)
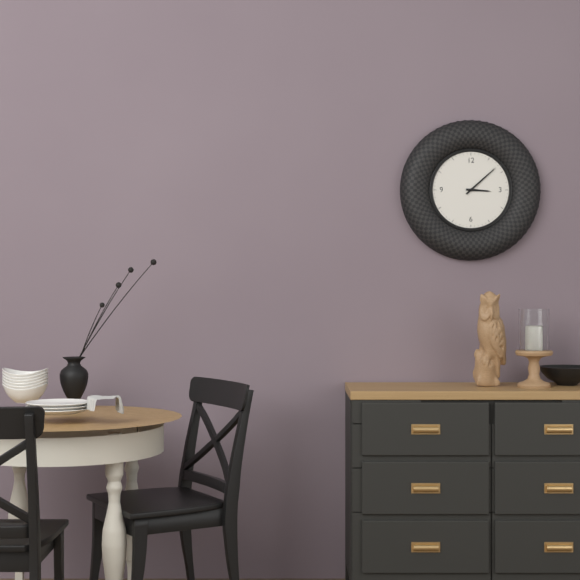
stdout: 3 h 08 min
